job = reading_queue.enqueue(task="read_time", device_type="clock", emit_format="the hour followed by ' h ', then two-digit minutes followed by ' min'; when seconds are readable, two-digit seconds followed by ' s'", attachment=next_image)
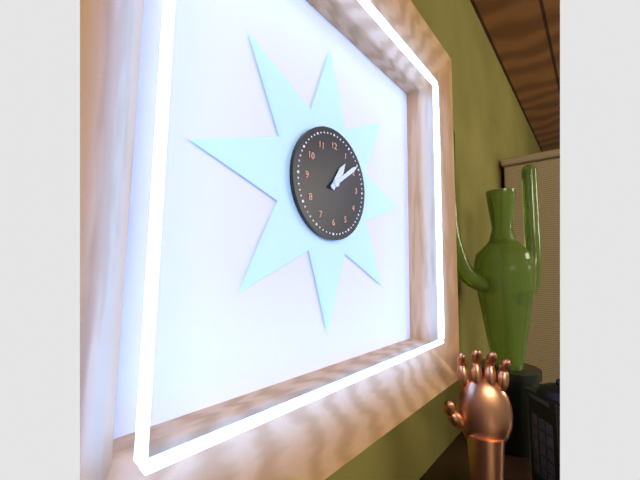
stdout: 1 h 09 min
